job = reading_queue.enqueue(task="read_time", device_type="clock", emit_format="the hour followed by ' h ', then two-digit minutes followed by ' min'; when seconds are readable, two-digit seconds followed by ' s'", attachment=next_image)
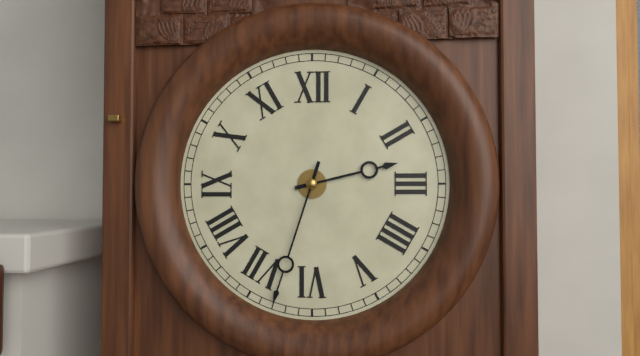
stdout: 2 h 33 min
